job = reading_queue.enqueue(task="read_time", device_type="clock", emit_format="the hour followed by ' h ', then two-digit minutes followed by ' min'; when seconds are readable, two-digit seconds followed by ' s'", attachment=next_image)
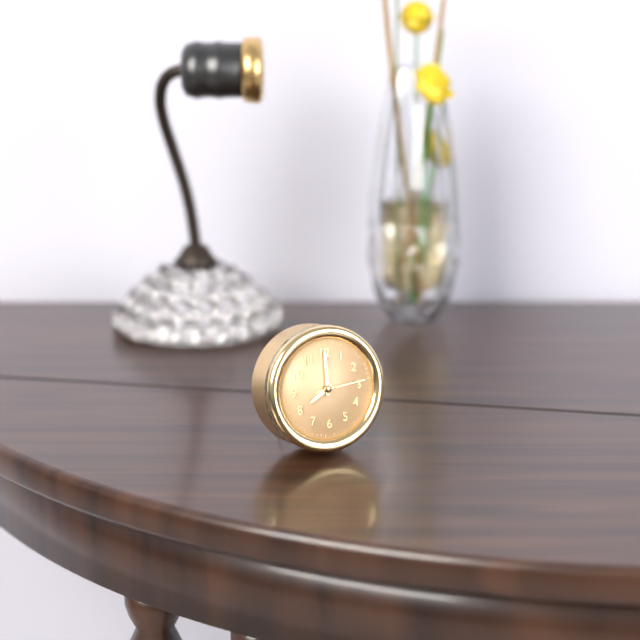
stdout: 8 h 00 min
